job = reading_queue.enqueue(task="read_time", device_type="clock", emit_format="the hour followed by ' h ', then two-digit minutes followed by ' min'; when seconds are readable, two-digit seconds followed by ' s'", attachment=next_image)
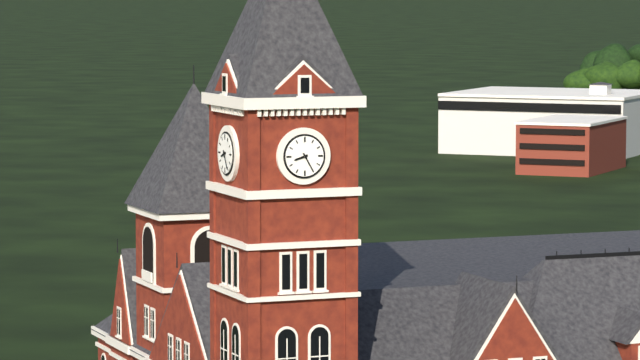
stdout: 8 h 25 min
